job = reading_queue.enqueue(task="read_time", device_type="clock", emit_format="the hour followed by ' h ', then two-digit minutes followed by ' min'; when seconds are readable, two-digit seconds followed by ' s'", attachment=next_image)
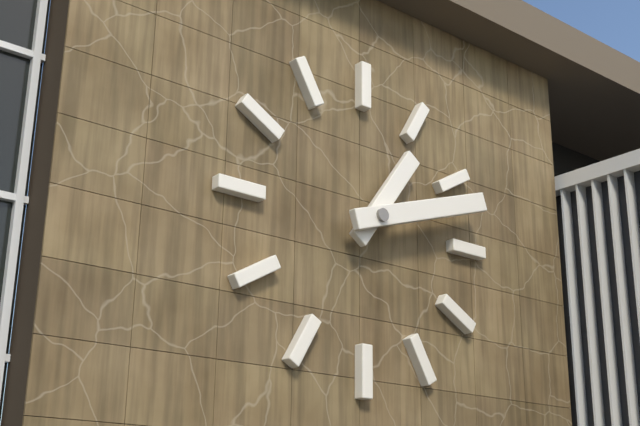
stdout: 1 h 12 min
